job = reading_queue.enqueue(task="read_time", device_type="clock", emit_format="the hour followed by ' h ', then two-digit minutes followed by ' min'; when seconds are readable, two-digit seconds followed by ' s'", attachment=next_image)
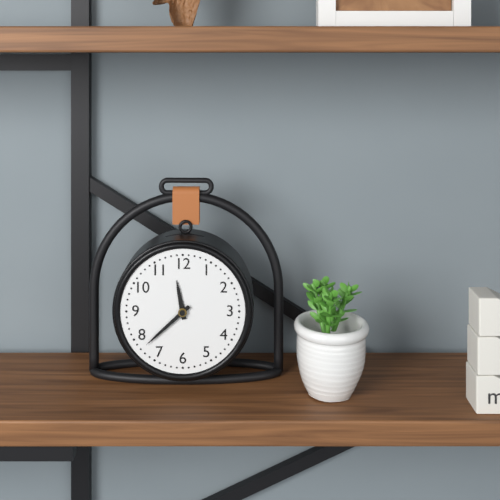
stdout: 11 h 38 min
